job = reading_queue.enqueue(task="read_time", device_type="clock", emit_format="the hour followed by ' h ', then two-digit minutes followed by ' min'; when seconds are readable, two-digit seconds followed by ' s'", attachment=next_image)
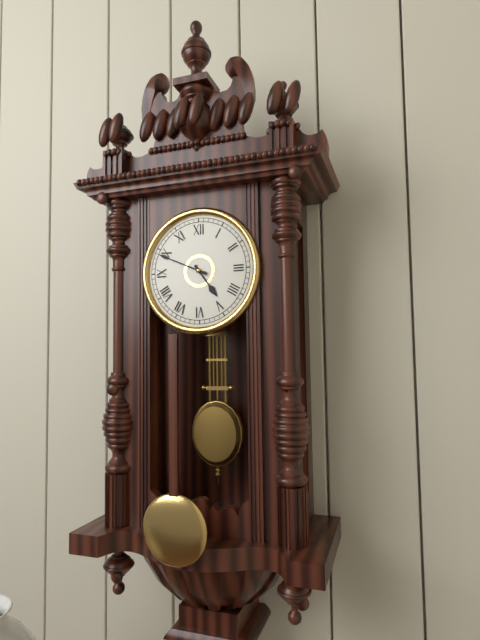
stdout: 4 h 49 min
